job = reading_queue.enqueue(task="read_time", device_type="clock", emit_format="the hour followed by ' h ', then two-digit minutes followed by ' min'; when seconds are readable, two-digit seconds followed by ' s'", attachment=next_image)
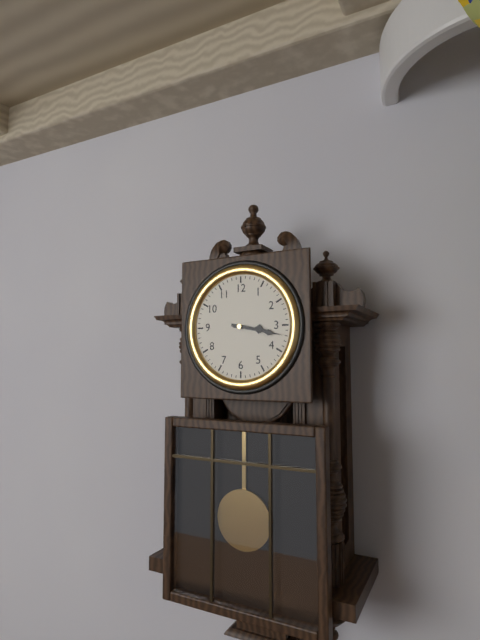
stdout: 3 h 17 min
